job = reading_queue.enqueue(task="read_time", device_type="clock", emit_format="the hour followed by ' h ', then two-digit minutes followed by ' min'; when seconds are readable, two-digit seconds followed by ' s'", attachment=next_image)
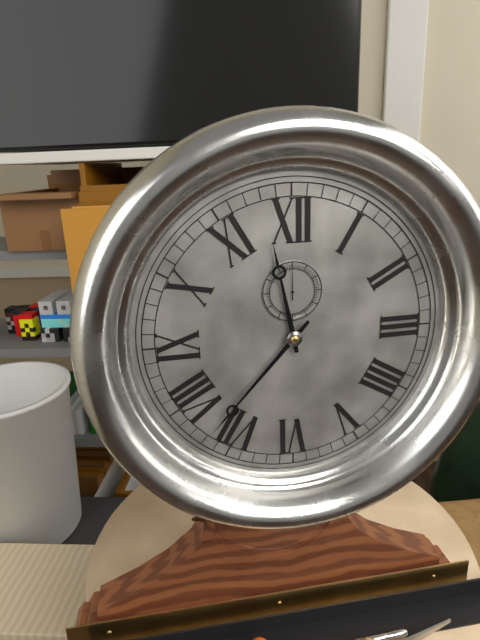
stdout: 11 h 37 min
